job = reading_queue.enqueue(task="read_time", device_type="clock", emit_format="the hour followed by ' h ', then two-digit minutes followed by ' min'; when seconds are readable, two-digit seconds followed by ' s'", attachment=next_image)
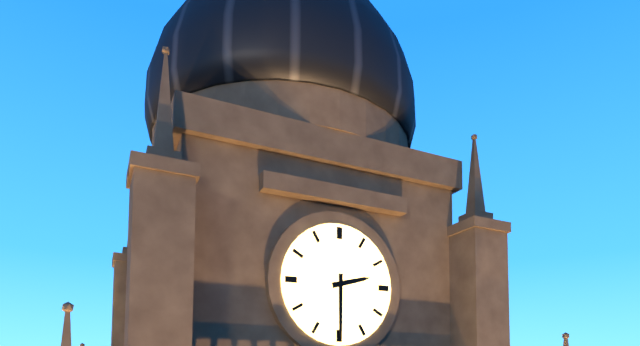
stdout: 2 h 30 min
